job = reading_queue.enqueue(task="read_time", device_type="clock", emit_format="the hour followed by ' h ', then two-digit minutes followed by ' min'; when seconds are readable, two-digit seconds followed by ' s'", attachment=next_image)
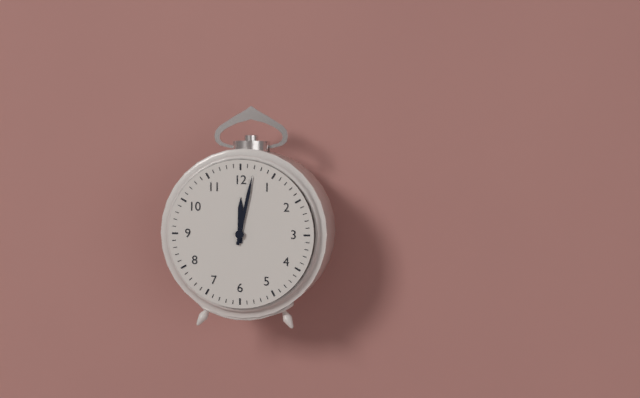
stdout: 12 h 02 min
